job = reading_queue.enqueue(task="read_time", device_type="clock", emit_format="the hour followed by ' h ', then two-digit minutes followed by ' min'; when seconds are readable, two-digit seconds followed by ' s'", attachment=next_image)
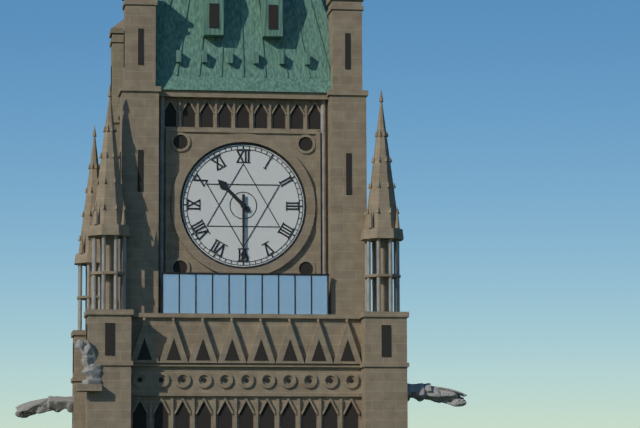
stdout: 10 h 30 min
